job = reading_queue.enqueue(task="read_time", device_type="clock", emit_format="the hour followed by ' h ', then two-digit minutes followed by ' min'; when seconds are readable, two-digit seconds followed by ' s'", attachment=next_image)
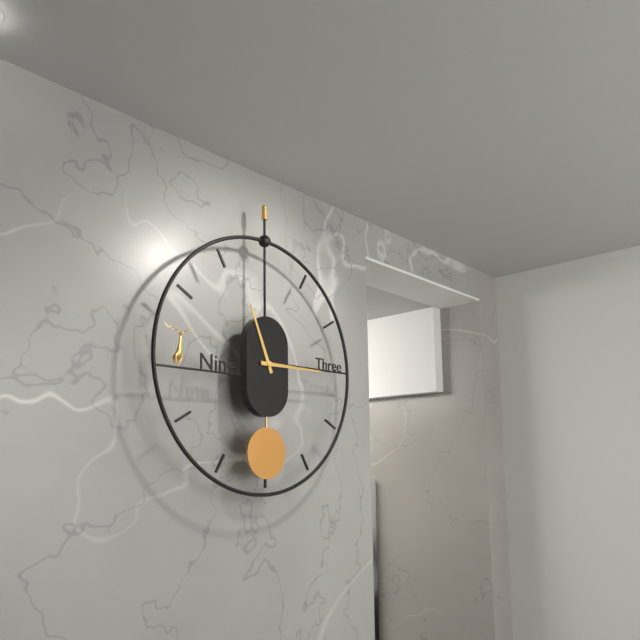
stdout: 11 h 15 min
